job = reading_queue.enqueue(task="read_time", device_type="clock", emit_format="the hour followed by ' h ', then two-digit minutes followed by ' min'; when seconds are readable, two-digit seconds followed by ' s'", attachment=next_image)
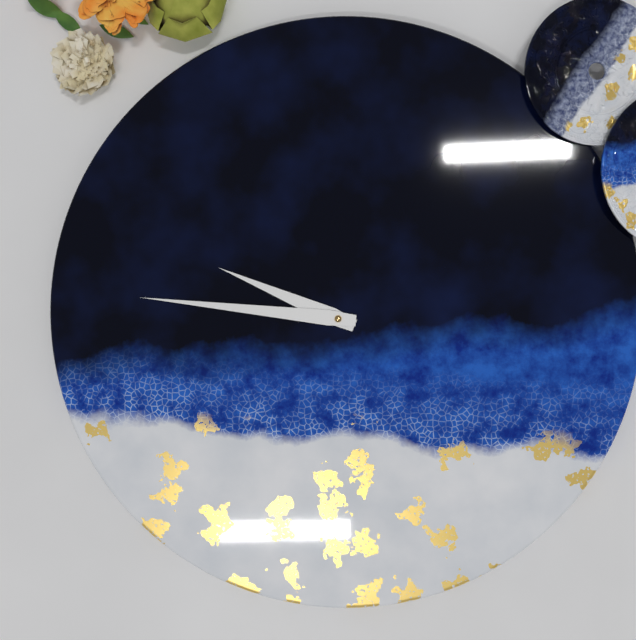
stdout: 9 h 46 min
